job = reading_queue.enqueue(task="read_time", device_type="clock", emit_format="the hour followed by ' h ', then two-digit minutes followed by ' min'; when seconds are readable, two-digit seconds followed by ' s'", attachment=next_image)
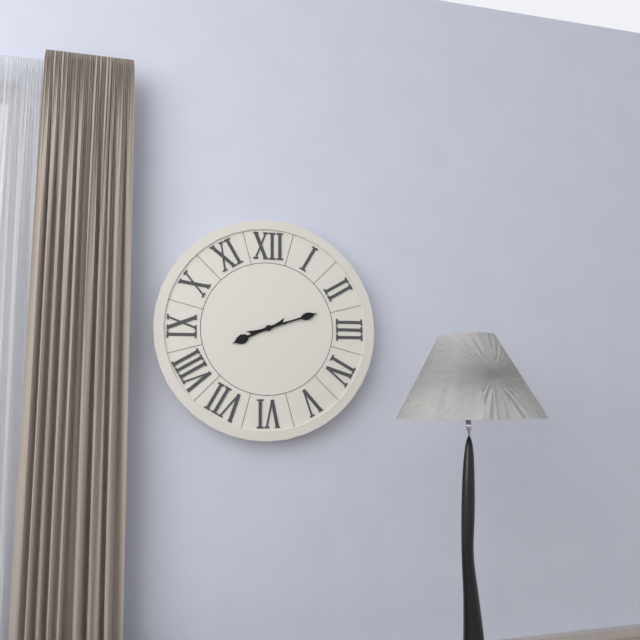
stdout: 8 h 12 min
